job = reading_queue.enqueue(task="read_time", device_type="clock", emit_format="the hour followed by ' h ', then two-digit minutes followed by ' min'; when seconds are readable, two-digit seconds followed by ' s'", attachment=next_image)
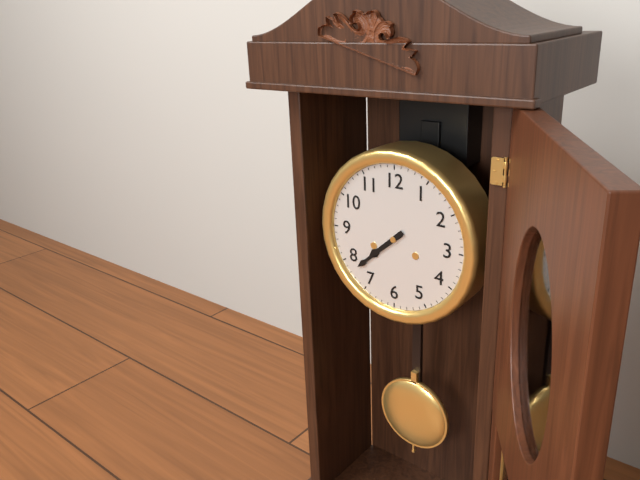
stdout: 7 h 38 min
